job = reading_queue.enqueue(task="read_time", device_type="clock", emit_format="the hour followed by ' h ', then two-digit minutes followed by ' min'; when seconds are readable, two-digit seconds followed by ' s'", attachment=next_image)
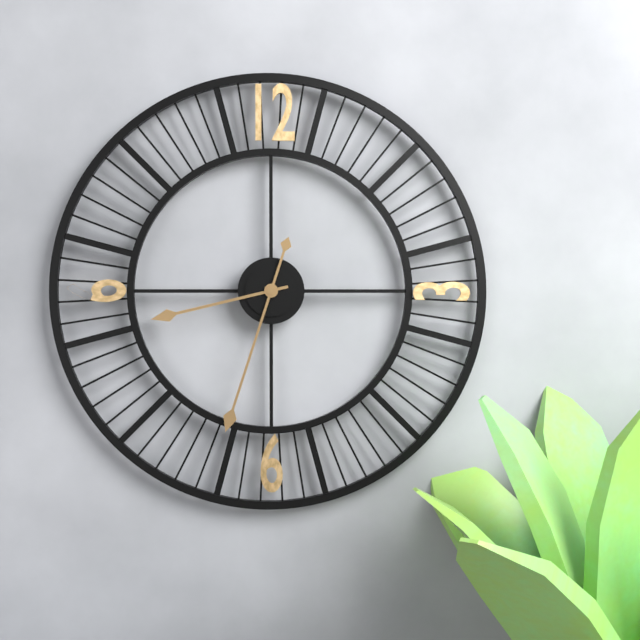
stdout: 8 h 33 min
